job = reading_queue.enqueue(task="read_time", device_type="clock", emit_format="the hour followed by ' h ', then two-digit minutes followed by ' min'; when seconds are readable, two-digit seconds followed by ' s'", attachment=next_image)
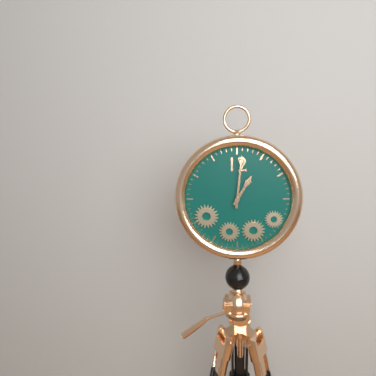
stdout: 1 h 01 min
